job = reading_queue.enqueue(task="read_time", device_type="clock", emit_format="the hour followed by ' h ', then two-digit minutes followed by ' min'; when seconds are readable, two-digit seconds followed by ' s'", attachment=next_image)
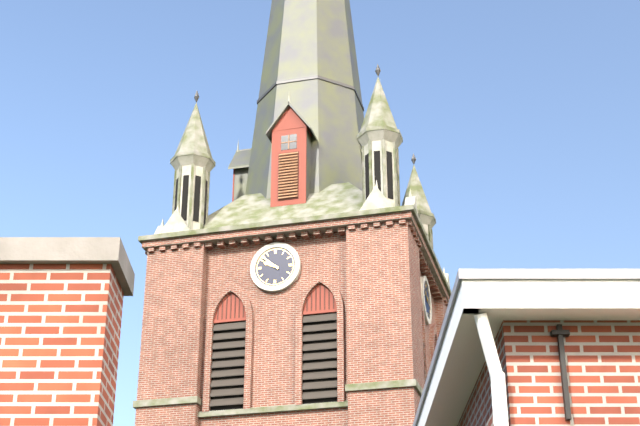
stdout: 9 h 52 min
